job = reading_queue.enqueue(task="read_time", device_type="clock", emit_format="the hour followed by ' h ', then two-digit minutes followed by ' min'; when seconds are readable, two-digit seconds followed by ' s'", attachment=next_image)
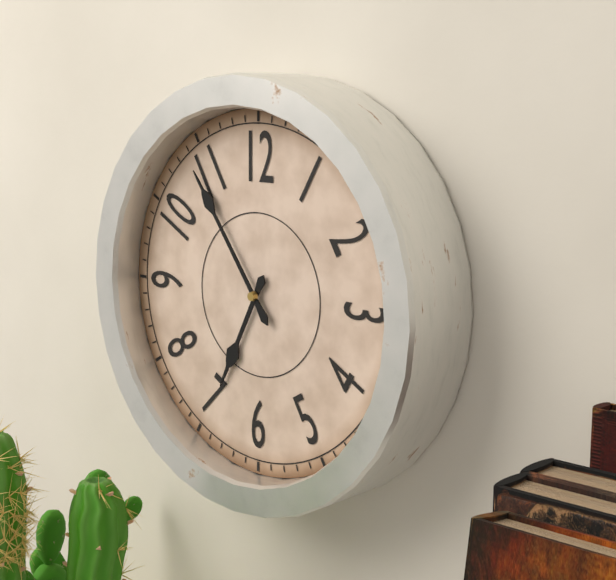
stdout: 6 h 54 min
